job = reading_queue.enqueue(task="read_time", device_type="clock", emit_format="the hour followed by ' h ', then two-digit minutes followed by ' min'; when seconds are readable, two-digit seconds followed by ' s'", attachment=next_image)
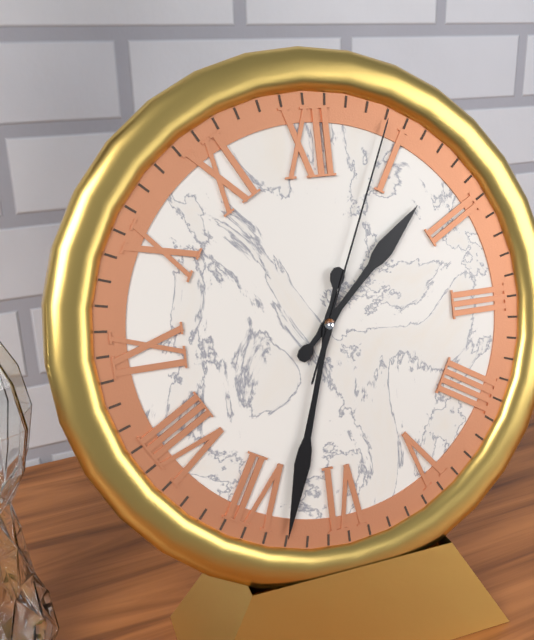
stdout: 1 h 33 min 04 s
